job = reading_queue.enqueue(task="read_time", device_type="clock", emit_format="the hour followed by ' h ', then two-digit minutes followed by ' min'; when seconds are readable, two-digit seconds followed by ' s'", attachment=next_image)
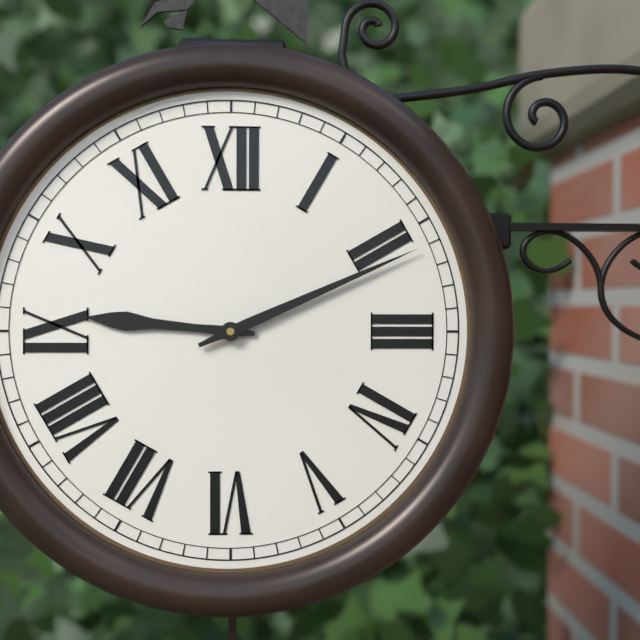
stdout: 9 h 11 min
